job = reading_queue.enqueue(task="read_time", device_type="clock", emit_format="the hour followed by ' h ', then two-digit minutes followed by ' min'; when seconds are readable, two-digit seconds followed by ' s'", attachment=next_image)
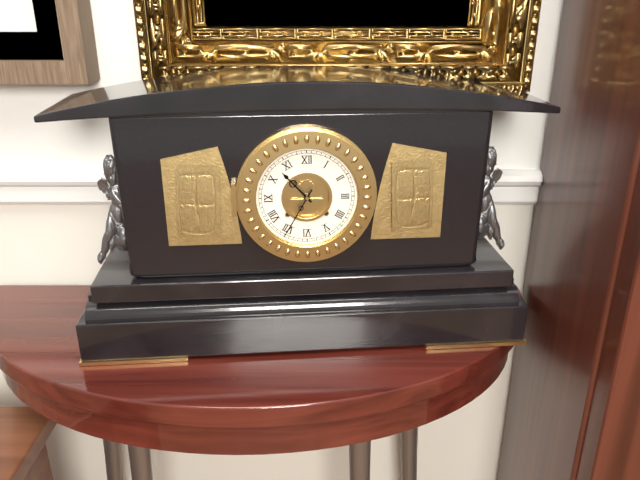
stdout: 10 h 35 min
